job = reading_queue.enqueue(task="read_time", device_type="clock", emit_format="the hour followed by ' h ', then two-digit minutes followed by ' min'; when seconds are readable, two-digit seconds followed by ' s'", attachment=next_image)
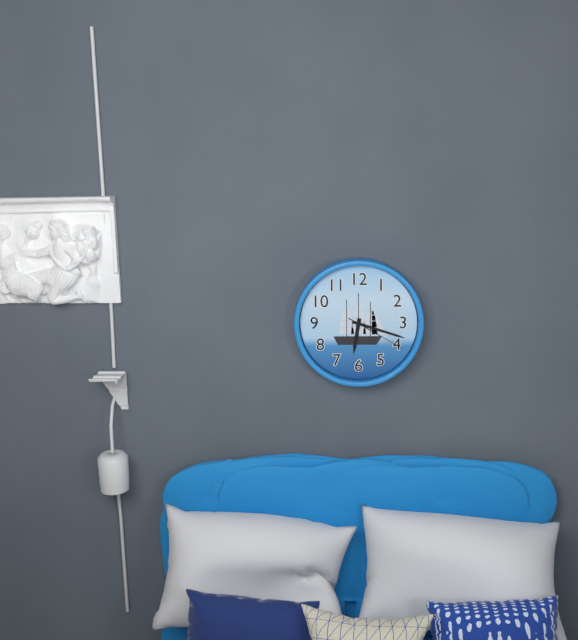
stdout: 6 h 18 min 20 s
